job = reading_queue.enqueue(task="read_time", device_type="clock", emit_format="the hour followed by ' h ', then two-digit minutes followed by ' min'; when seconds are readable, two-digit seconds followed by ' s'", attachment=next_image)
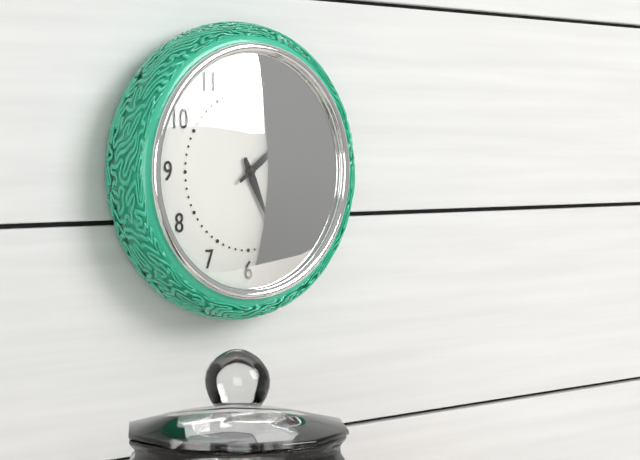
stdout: 5 h 09 min
